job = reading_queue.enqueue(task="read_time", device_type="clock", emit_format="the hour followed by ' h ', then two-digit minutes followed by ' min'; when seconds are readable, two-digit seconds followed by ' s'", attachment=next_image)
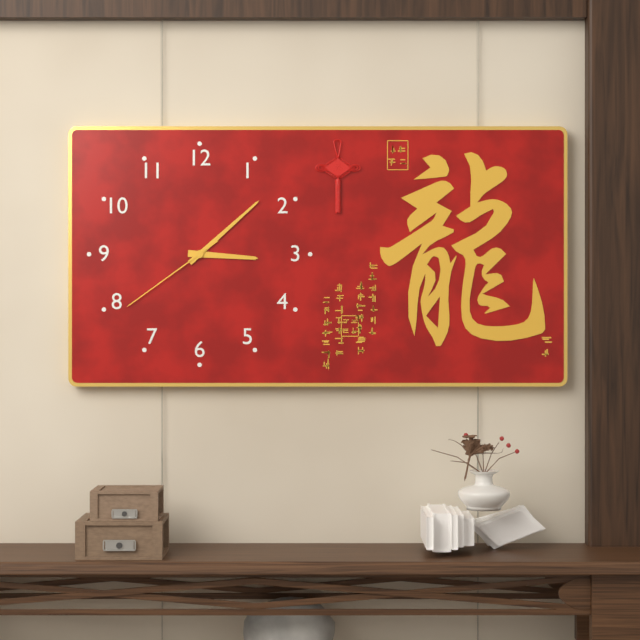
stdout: 3 h 08 min 39 s
